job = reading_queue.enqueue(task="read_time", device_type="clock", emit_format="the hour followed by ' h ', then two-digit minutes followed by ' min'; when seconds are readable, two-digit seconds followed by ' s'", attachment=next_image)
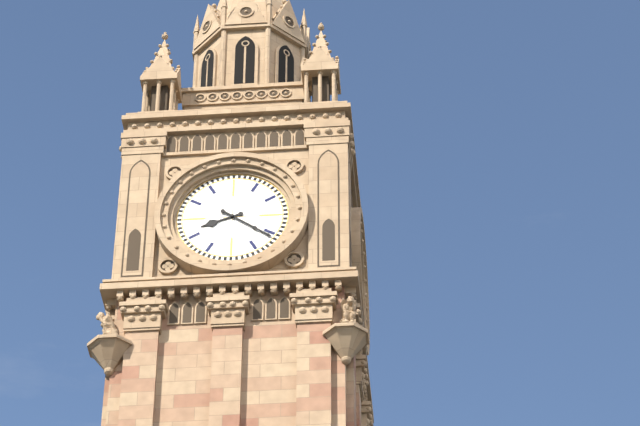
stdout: 8 h 21 min
